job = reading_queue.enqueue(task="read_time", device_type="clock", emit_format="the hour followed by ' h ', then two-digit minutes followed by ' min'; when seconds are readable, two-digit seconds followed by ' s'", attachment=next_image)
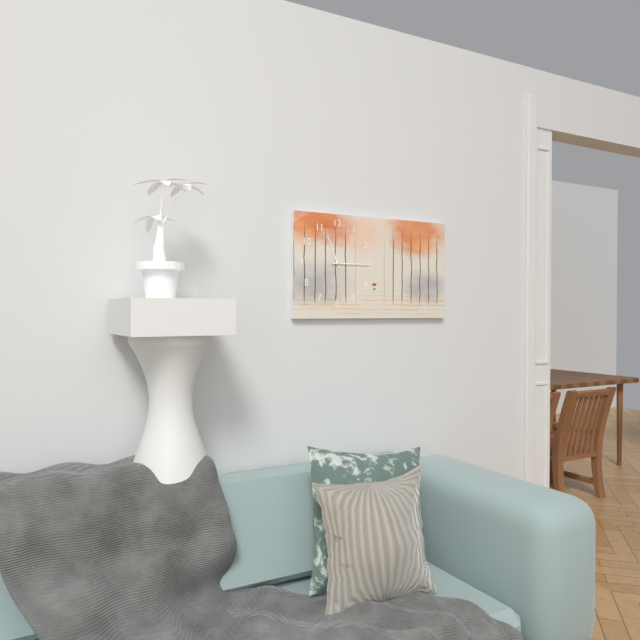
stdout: 11 h 15 min
